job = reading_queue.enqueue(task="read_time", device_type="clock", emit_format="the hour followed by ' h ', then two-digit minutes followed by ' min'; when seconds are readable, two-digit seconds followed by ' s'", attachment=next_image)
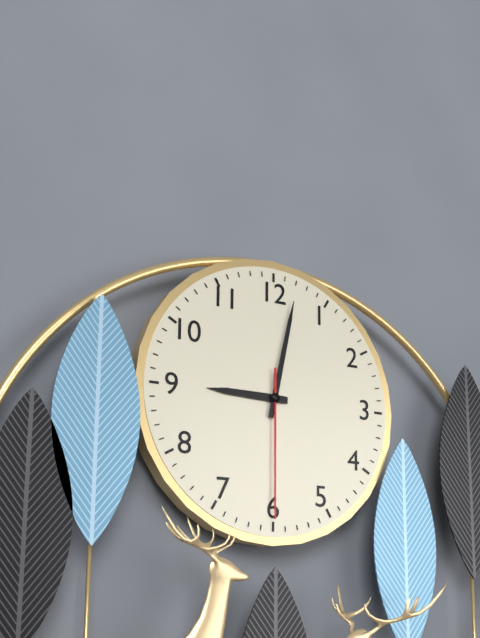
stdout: 9 h 02 min 30 s
